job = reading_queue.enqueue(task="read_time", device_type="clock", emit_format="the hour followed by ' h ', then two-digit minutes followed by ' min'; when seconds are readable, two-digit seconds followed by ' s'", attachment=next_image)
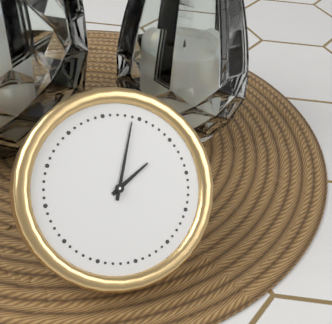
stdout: 2 h 04 min
